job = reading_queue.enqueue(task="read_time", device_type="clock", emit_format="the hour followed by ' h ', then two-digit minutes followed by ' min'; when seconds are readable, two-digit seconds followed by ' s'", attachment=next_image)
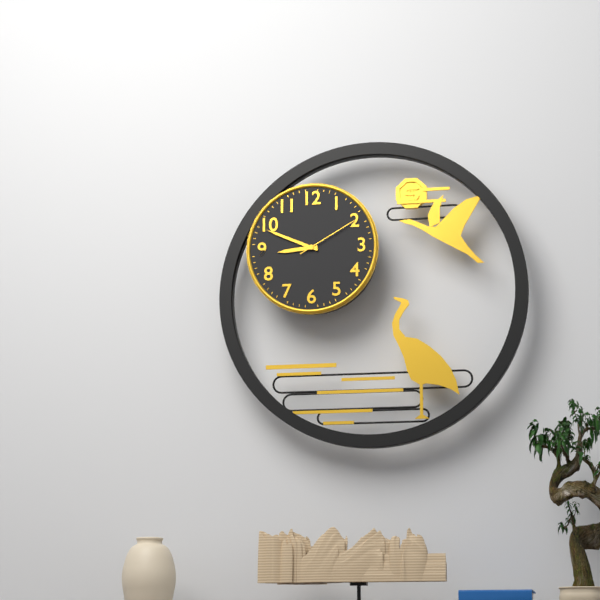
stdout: 8 h 49 min 10 s
